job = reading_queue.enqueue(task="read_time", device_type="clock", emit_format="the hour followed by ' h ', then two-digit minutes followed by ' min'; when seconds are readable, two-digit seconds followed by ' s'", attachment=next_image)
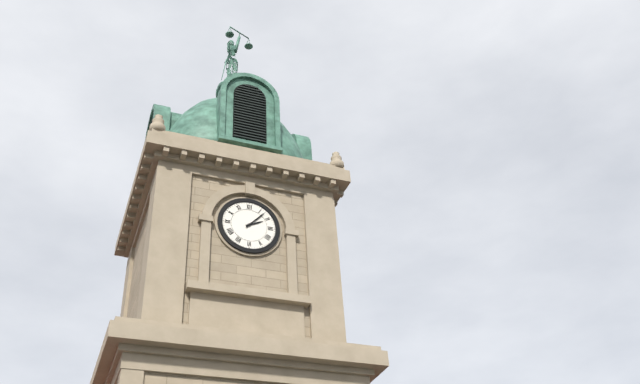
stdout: 2 h 07 min
